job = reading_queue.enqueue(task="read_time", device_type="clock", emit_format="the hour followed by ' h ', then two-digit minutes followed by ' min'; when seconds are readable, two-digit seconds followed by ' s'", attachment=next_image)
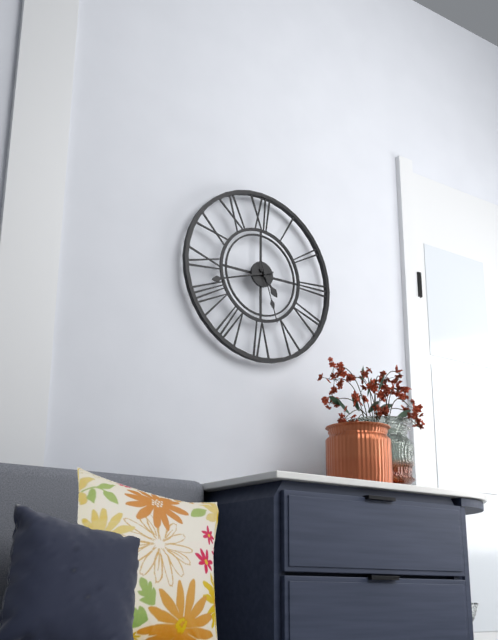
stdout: 4 h 42 min 27 s
